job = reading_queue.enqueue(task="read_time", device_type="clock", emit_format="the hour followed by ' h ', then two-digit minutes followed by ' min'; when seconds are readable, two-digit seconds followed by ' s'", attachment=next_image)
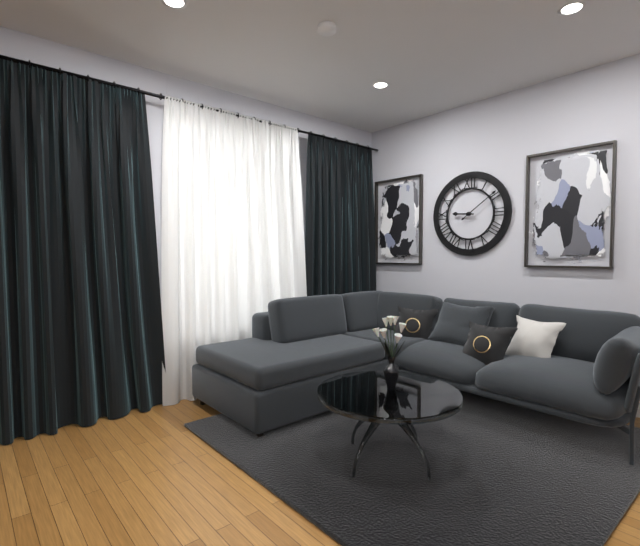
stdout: 9 h 09 min
